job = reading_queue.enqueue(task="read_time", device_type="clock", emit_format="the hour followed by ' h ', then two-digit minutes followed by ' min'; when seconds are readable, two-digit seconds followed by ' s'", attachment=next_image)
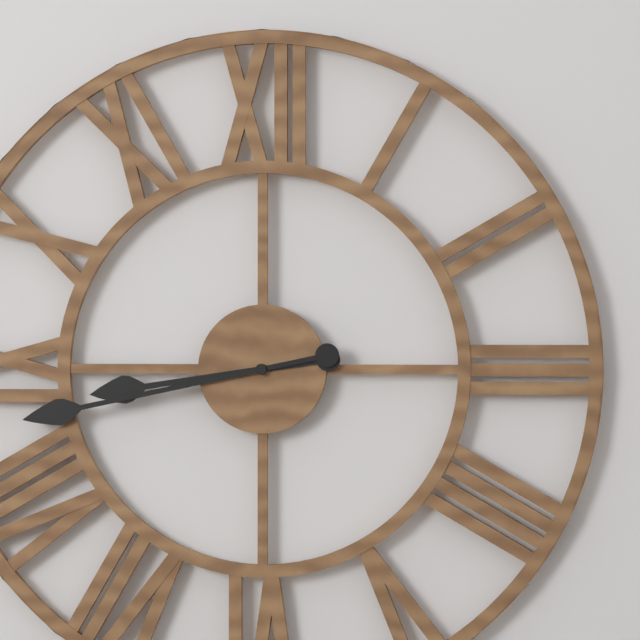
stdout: 8 h 43 min
